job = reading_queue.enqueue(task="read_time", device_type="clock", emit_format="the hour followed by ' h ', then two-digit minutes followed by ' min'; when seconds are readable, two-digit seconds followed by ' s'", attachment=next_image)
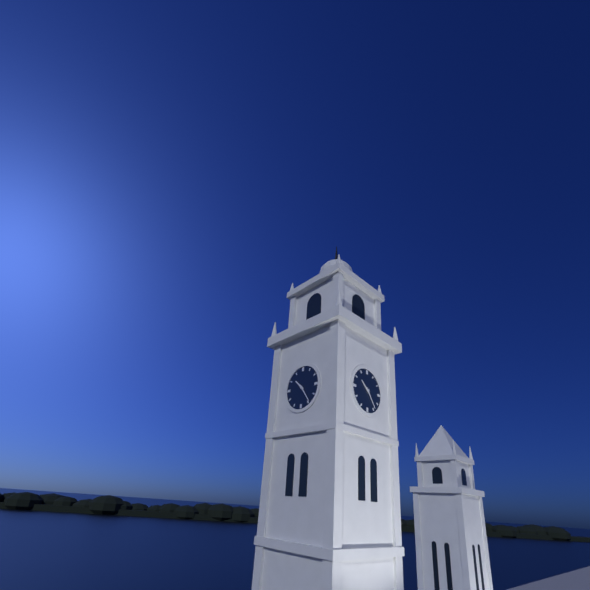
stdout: 10 h 24 min
